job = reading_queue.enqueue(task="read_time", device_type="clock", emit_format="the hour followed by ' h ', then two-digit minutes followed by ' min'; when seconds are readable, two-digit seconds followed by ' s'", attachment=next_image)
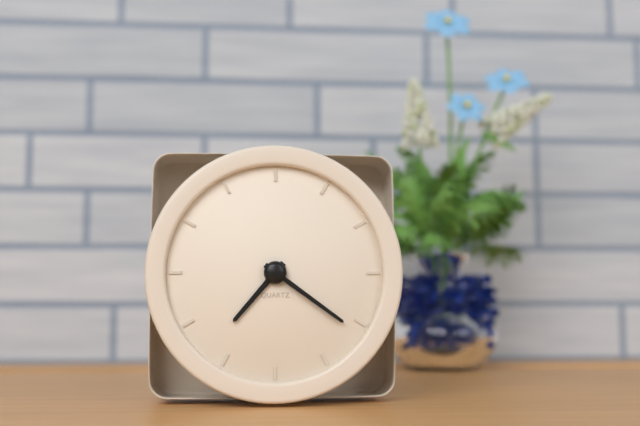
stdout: 7 h 21 min
